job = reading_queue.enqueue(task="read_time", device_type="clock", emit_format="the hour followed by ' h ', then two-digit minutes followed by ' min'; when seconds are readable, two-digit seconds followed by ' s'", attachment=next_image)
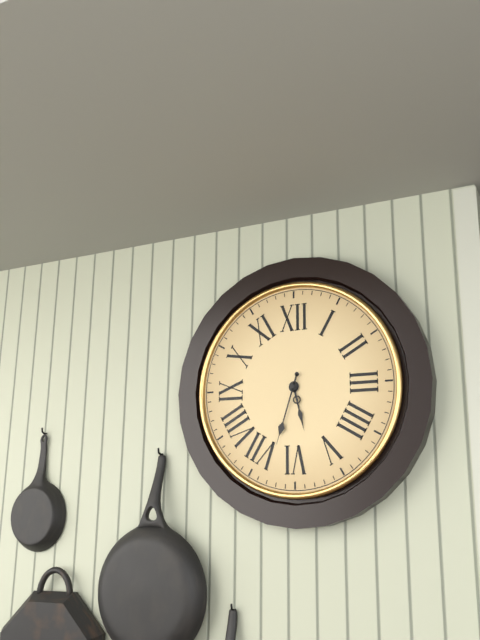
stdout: 5 h 33 min
